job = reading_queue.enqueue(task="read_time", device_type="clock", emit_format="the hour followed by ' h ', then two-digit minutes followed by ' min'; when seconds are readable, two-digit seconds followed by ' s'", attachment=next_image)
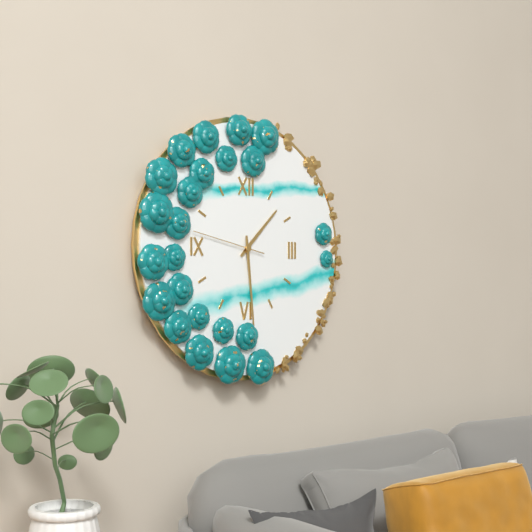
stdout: 1 h 29 min 47 s
